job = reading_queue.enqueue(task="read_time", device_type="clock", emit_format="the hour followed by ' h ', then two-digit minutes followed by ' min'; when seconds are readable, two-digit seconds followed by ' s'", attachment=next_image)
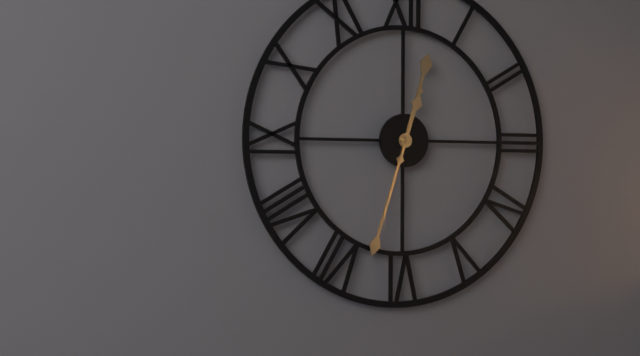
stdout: 12 h 33 min
